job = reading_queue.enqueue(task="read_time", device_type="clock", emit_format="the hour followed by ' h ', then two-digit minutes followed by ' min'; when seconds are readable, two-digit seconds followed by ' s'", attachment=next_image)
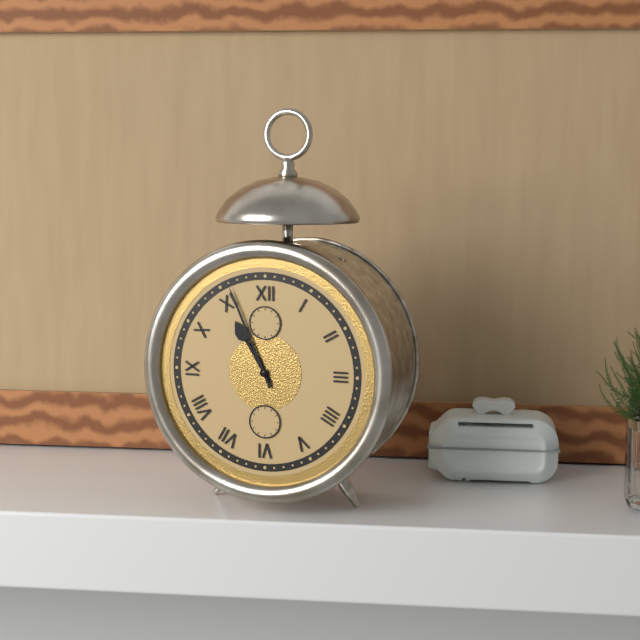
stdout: 10 h 56 min
